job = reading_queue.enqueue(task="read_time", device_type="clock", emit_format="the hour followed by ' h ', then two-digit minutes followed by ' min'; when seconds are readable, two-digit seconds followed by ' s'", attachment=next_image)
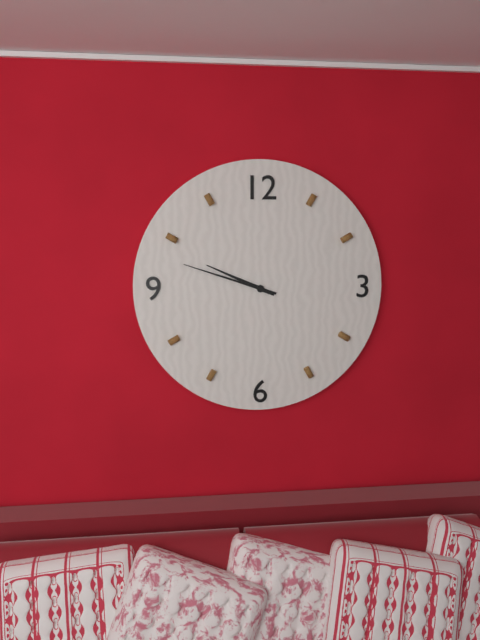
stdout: 9 h 48 min
